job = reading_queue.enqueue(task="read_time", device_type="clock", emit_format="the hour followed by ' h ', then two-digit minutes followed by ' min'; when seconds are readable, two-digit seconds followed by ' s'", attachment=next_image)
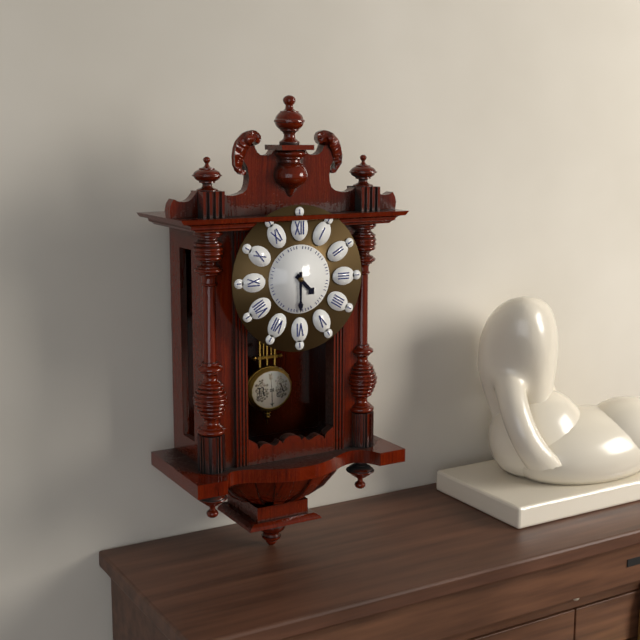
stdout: 4 h 30 min
